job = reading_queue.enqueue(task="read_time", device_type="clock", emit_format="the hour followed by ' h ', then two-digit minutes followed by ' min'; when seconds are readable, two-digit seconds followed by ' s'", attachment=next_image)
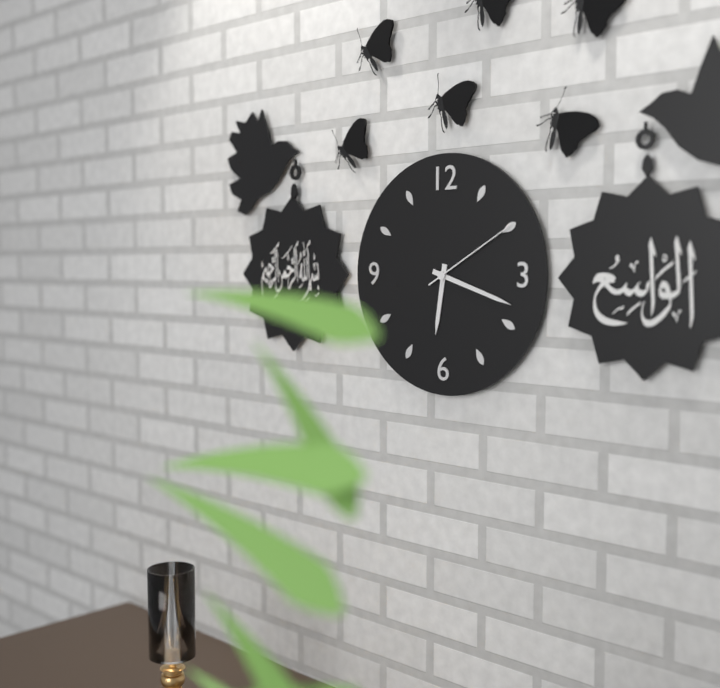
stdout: 6 h 18 min 10 s
